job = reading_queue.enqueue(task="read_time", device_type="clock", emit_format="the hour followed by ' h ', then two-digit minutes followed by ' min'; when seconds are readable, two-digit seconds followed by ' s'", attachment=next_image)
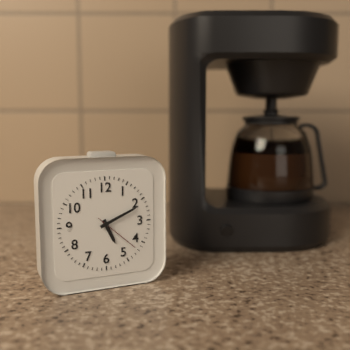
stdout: 5 h 11 min
